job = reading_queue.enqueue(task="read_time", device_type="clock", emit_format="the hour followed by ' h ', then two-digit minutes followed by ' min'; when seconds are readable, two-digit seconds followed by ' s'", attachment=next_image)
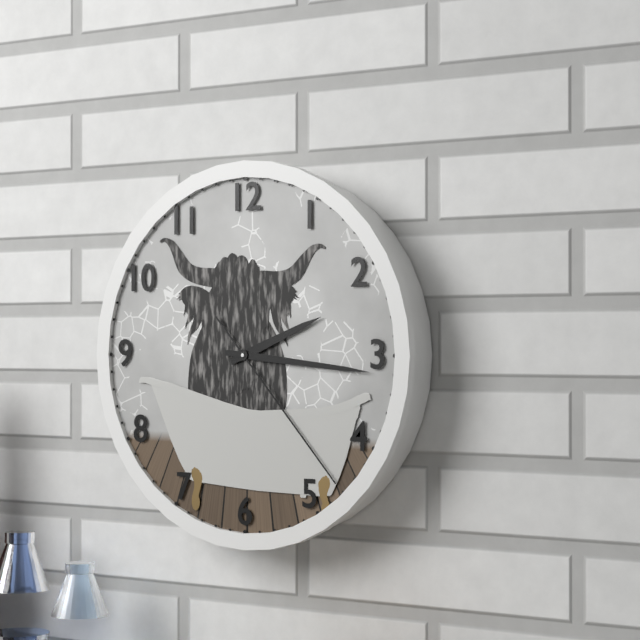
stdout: 2 h 16 min 23 s
